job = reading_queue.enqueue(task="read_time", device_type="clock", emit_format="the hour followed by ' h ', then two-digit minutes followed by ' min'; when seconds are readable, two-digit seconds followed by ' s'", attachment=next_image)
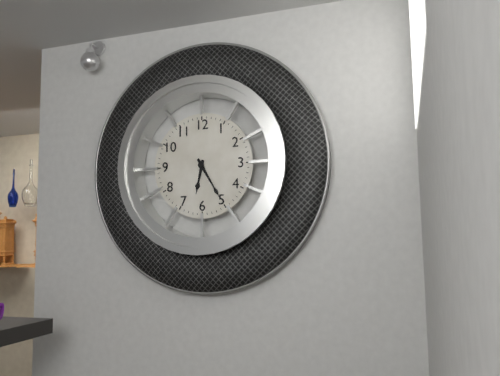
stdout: 6 h 25 min
